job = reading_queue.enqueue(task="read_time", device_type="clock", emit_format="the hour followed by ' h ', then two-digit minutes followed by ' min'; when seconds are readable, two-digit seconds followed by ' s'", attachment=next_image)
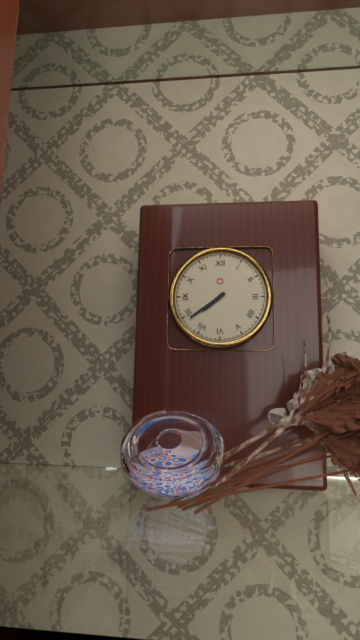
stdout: 7 h 39 min
